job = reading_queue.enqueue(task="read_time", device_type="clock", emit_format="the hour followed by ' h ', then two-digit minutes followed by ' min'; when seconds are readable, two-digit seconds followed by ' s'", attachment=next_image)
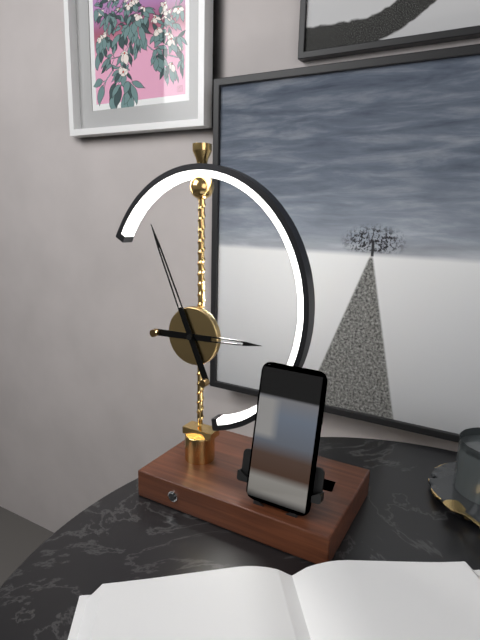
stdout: 2 h 56 min
